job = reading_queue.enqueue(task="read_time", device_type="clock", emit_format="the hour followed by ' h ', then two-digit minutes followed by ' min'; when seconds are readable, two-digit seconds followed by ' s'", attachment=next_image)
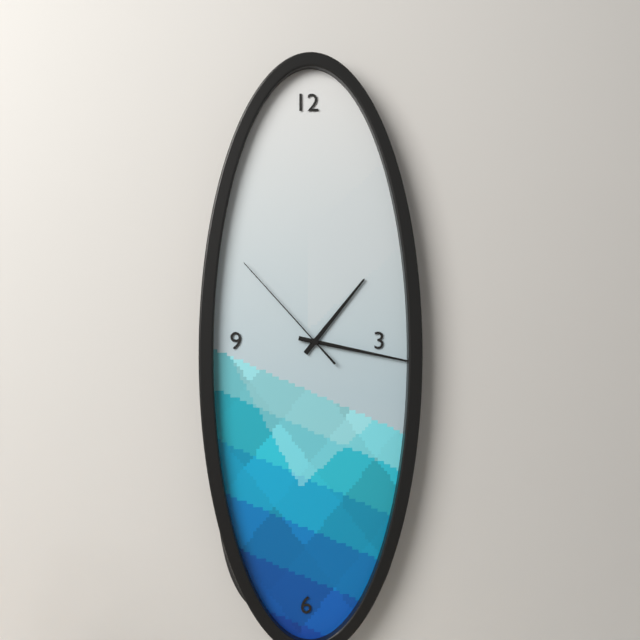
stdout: 1 h 17 min 53 s
